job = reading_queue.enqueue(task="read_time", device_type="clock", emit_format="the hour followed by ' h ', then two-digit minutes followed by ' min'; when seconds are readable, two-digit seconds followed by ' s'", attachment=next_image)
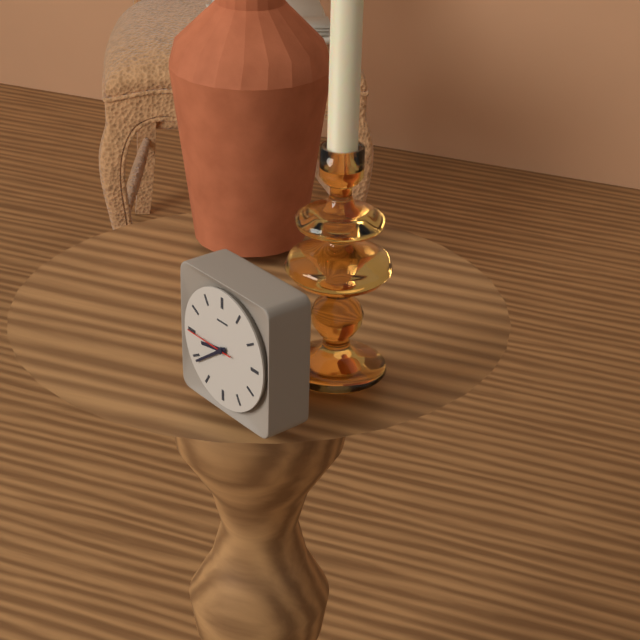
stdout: 8 h 39 min 45 s
